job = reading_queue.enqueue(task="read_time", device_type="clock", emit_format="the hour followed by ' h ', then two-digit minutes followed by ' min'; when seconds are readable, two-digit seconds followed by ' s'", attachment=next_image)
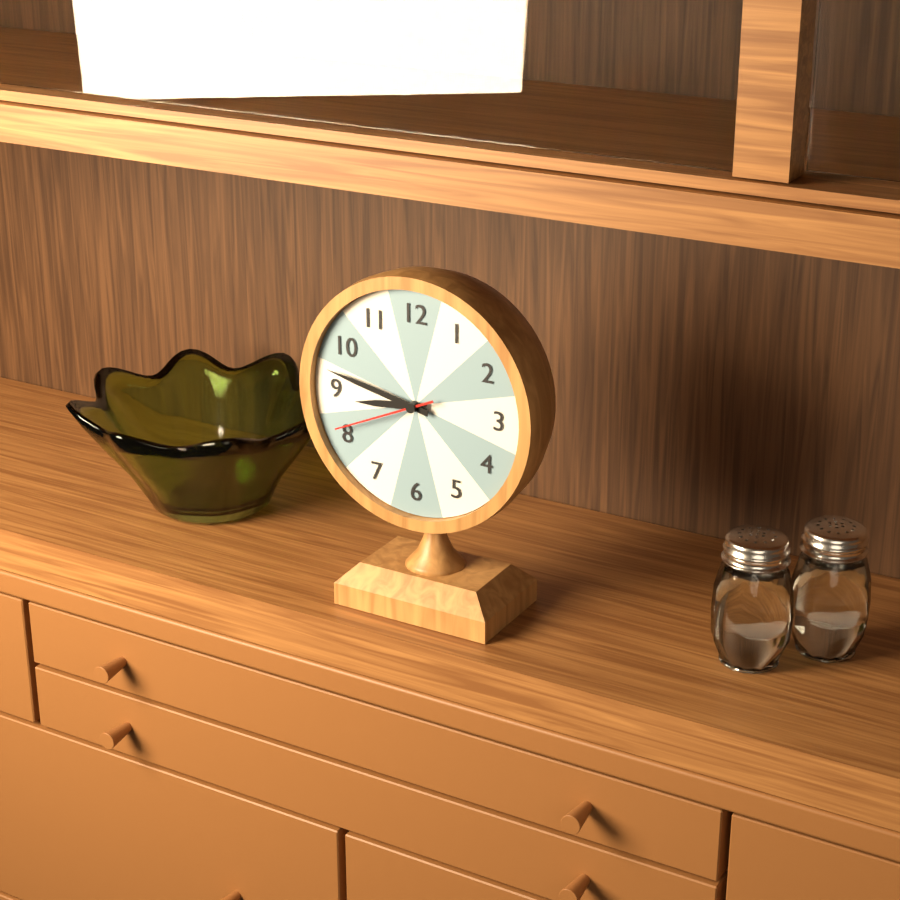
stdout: 8 h 47 min 41 s
